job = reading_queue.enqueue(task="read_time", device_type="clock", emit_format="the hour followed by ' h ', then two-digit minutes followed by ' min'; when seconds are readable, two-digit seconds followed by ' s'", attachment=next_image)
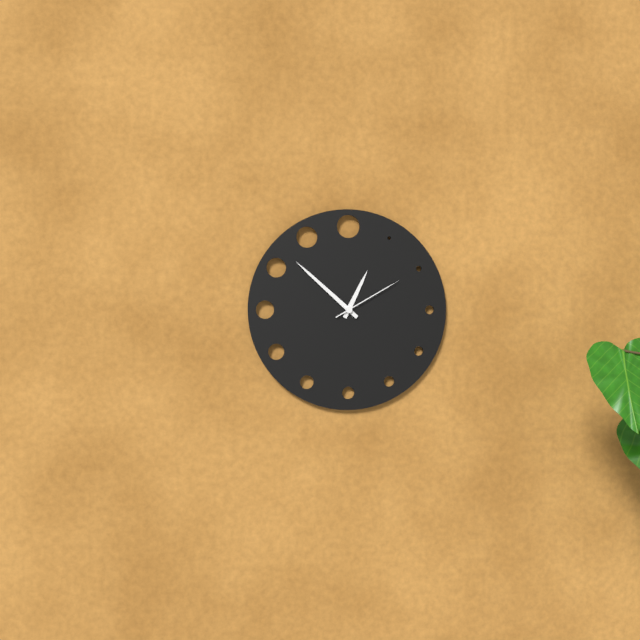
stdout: 12 h 52 min 10 s
